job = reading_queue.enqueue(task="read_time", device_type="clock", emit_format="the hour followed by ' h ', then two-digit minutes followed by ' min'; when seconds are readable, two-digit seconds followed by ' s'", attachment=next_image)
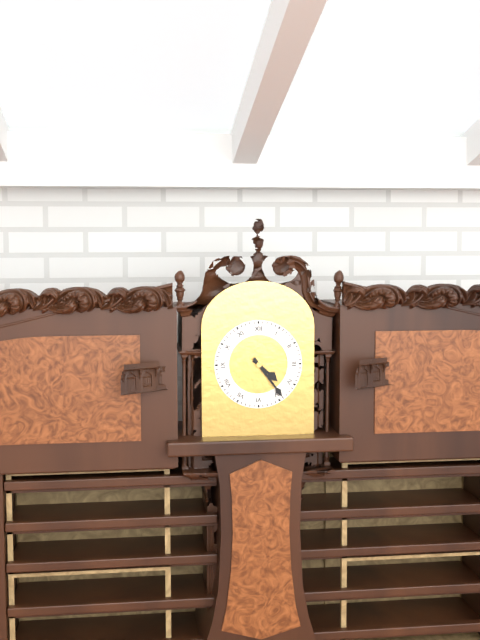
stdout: 4 h 24 min
